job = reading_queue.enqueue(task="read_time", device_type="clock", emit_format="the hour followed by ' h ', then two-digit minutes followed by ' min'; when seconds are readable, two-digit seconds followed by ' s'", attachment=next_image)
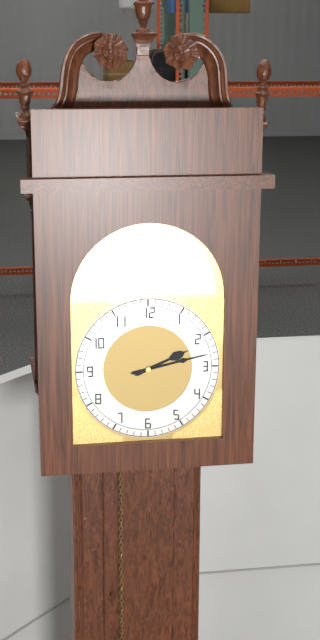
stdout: 2 h 13 min
